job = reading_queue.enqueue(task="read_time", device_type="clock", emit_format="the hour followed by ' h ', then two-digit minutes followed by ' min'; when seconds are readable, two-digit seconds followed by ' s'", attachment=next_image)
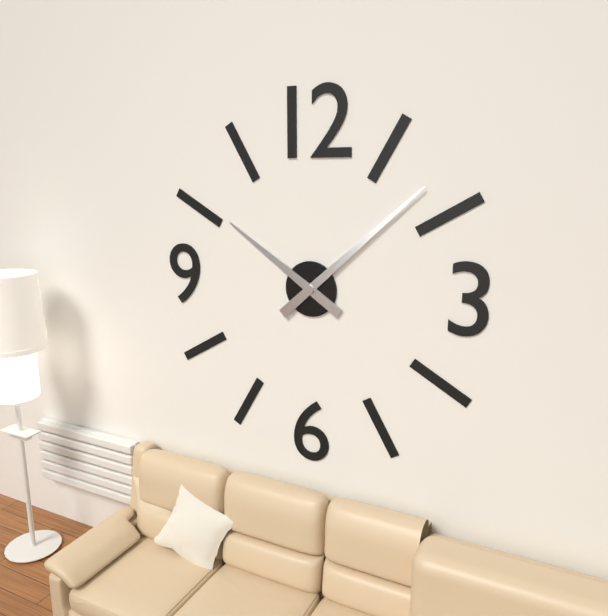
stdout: 10 h 08 min
